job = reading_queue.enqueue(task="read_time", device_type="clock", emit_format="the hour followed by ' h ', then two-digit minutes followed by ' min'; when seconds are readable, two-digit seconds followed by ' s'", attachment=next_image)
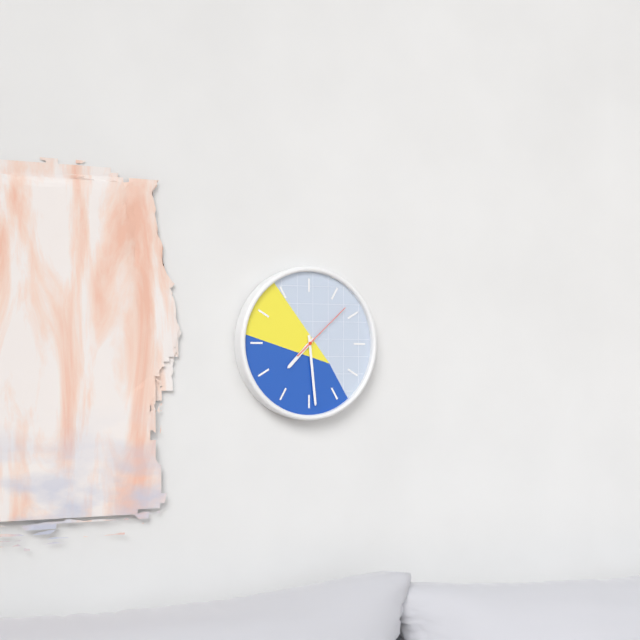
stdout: 7 h 29 min 08 s
